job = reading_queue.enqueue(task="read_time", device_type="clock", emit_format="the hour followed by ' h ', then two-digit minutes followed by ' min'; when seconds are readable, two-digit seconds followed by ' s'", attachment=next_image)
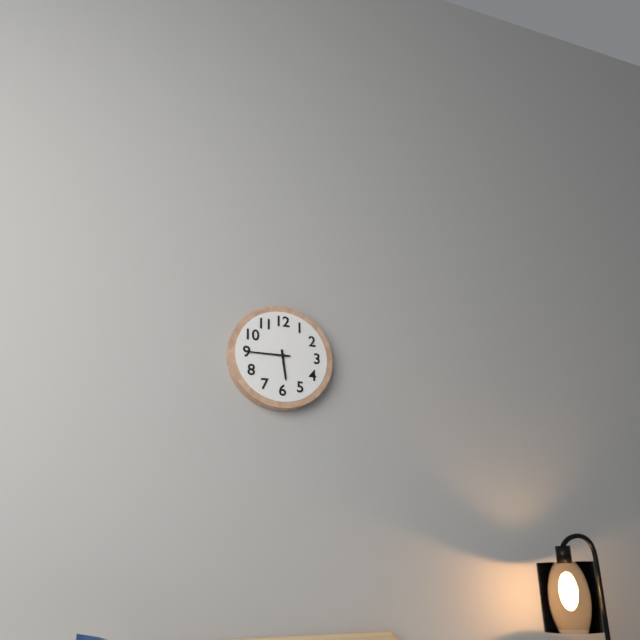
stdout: 5 h 45 min
